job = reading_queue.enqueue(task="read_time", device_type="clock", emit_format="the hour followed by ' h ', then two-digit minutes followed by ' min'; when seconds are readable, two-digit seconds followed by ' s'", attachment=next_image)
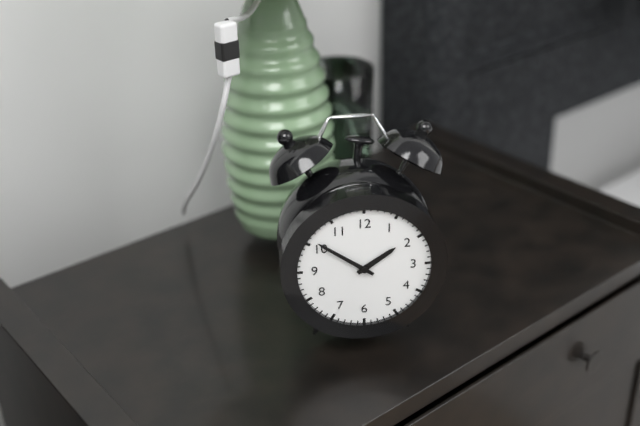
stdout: 1 h 51 min
